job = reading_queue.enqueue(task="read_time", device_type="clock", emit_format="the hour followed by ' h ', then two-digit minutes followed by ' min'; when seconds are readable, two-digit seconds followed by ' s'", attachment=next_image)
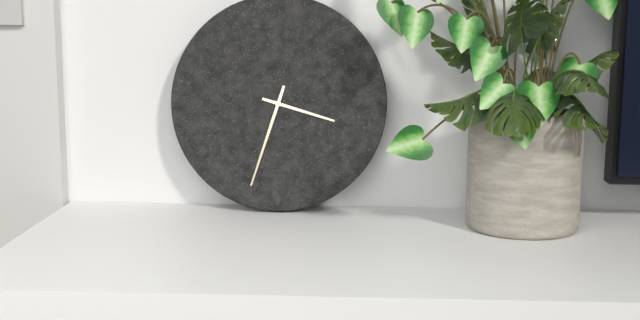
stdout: 3 h 33 min
